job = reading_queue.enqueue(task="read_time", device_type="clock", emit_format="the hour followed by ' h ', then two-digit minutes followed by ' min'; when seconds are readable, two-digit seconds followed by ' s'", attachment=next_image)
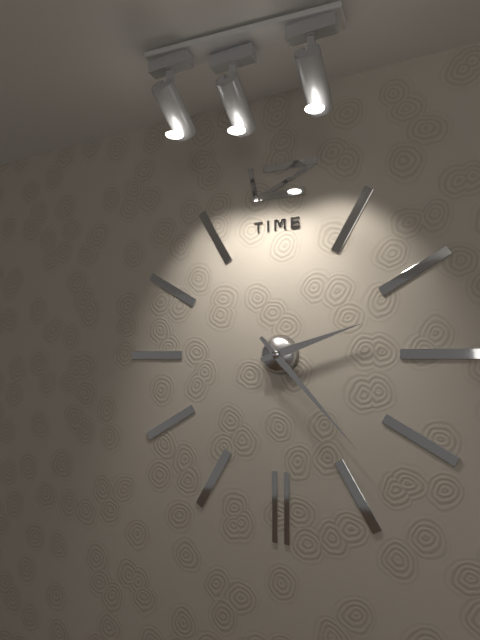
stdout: 2 h 23 min
